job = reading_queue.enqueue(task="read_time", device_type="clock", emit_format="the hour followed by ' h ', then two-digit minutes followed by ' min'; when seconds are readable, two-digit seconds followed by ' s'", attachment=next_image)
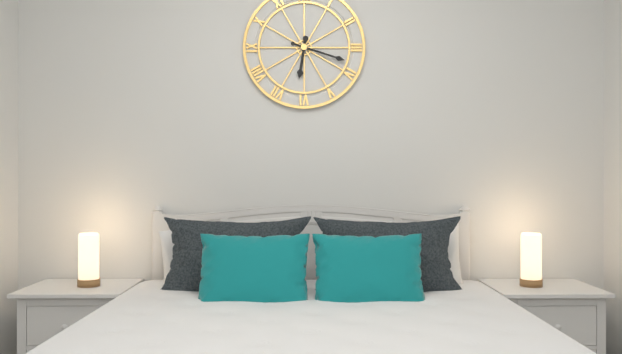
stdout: 6 h 18 min
